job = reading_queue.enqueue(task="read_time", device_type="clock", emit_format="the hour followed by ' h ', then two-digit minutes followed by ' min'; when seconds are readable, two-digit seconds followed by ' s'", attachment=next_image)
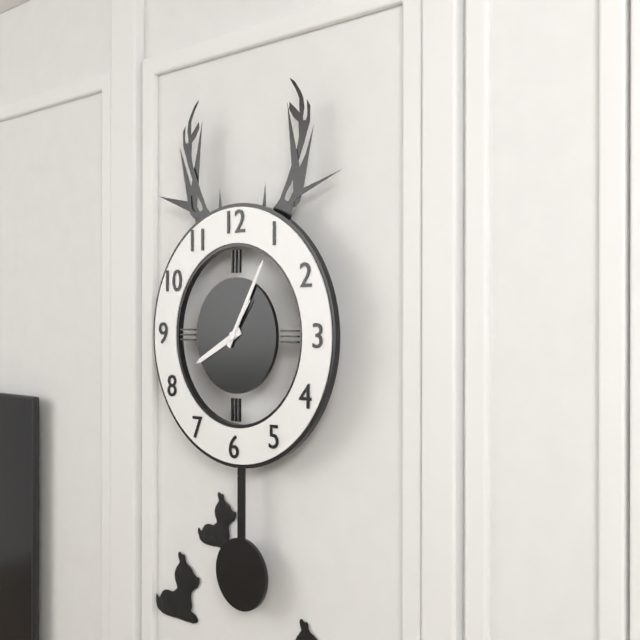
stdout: 8 h 05 min
